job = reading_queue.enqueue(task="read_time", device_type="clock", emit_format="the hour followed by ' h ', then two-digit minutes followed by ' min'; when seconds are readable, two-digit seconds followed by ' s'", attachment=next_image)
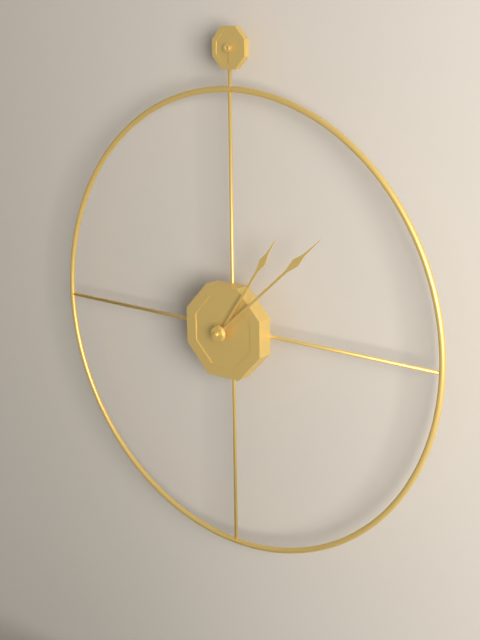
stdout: 1 h 08 min
